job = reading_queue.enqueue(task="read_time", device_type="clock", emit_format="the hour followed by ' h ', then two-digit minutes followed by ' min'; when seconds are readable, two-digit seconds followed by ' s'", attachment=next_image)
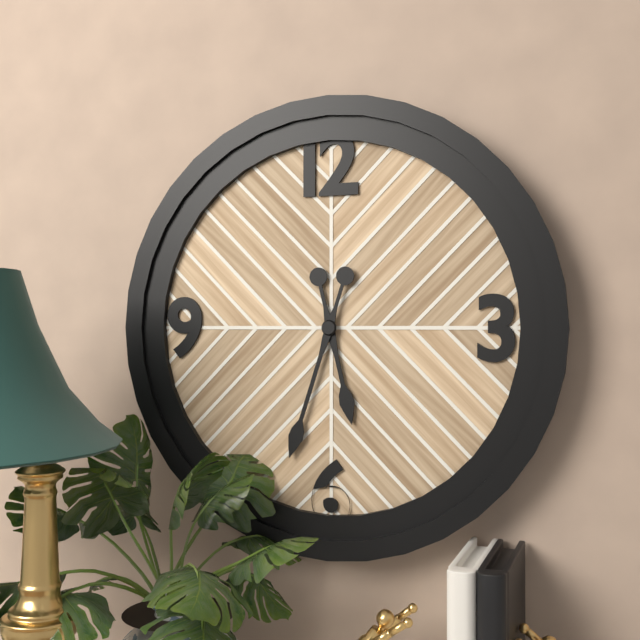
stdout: 5 h 33 min
